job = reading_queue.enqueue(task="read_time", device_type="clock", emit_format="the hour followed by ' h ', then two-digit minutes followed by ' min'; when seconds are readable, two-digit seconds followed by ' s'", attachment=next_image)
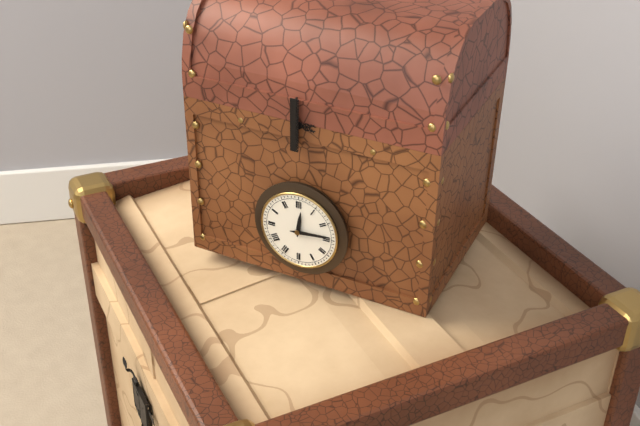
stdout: 12 h 14 min
